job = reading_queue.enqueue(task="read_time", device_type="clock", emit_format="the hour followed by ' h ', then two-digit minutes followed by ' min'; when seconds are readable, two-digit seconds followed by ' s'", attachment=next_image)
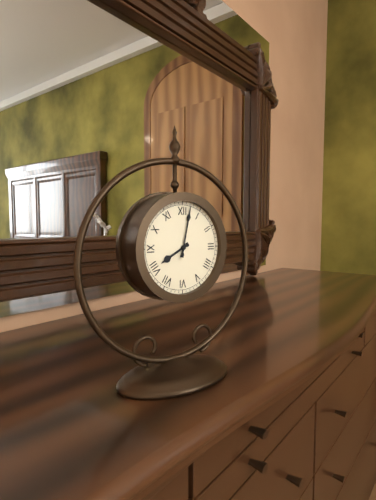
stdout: 8 h 02 min
